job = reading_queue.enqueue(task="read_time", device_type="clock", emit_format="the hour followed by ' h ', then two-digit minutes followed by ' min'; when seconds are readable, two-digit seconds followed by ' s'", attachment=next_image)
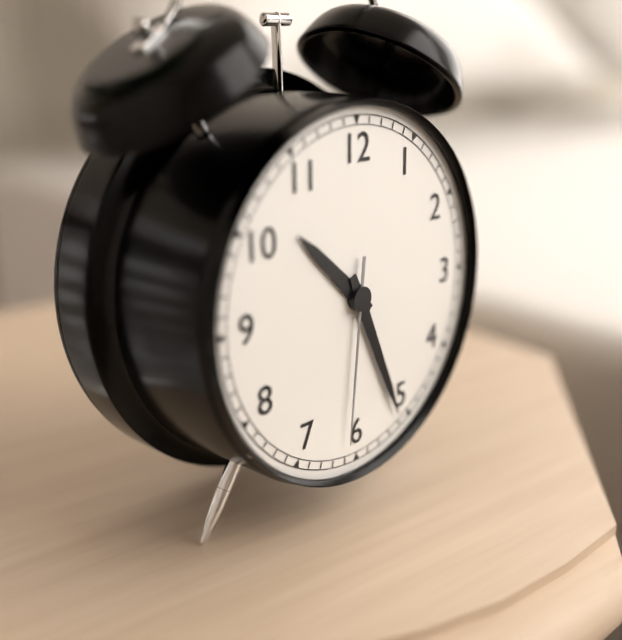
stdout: 10 h 26 min 31 s
